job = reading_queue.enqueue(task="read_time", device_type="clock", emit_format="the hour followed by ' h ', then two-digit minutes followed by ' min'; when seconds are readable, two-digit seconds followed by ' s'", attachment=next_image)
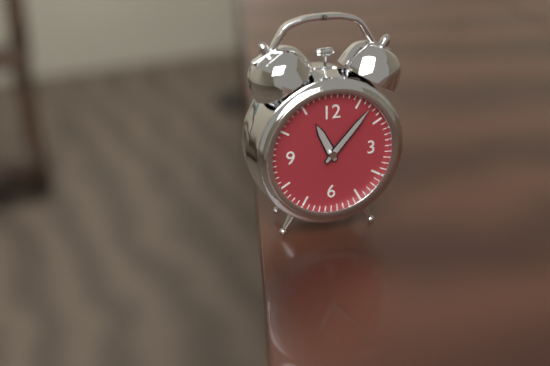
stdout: 11 h 07 min
